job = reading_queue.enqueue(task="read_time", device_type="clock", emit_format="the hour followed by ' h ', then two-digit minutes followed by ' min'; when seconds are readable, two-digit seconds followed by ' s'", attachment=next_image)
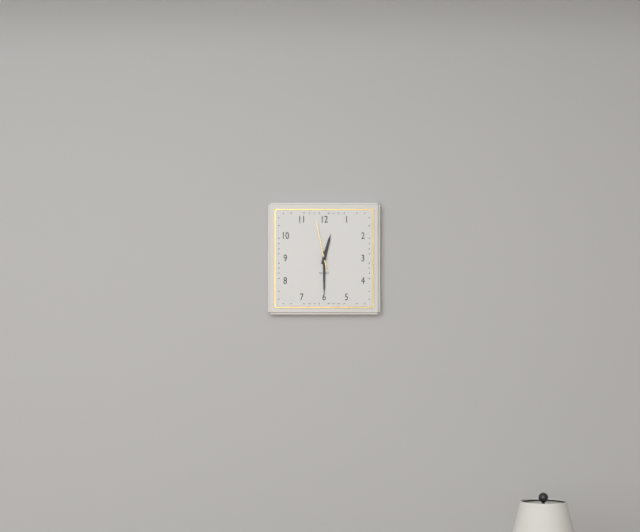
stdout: 12 h 30 min
